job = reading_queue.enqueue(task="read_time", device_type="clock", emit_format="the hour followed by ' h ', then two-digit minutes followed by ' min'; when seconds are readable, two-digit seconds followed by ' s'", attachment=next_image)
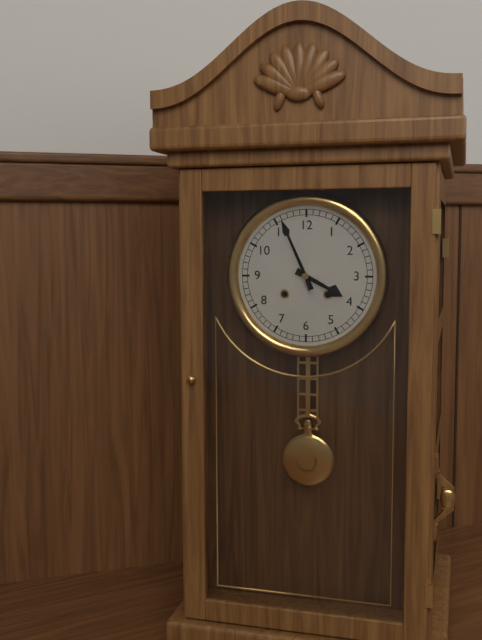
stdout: 3 h 56 min
